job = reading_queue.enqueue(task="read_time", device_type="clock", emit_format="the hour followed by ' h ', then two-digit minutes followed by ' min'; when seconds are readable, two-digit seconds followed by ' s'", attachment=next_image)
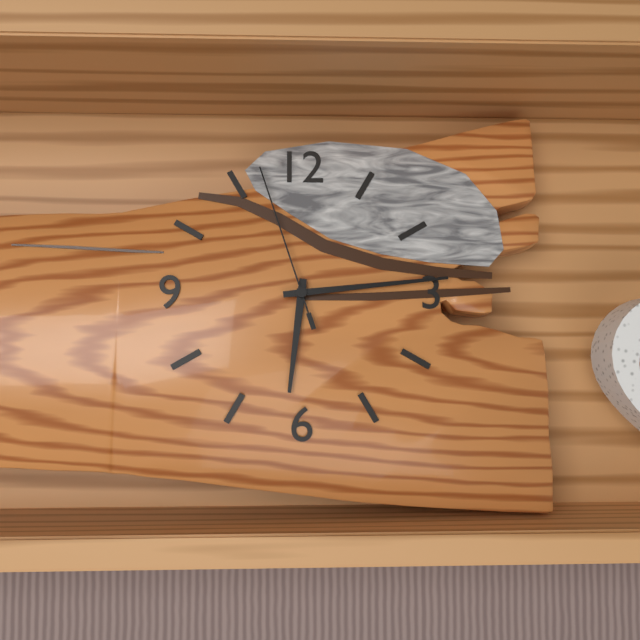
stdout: 6 h 14 min 57 s
